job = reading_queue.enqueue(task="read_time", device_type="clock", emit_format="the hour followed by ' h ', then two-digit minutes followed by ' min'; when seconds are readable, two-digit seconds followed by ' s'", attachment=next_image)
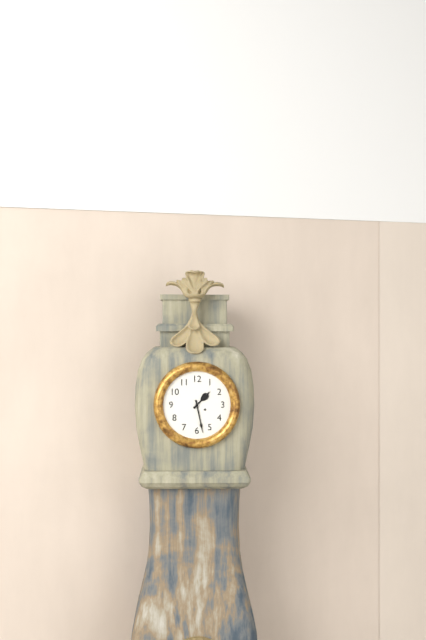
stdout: 1 h 28 min
